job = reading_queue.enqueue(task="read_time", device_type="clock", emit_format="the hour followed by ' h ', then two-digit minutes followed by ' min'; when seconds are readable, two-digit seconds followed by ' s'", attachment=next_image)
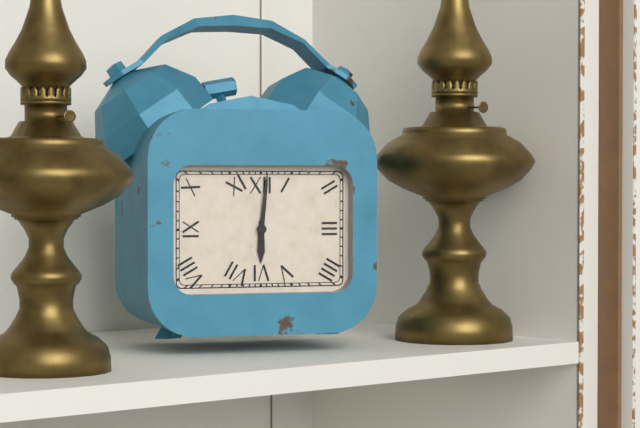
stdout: 6 h 01 min
